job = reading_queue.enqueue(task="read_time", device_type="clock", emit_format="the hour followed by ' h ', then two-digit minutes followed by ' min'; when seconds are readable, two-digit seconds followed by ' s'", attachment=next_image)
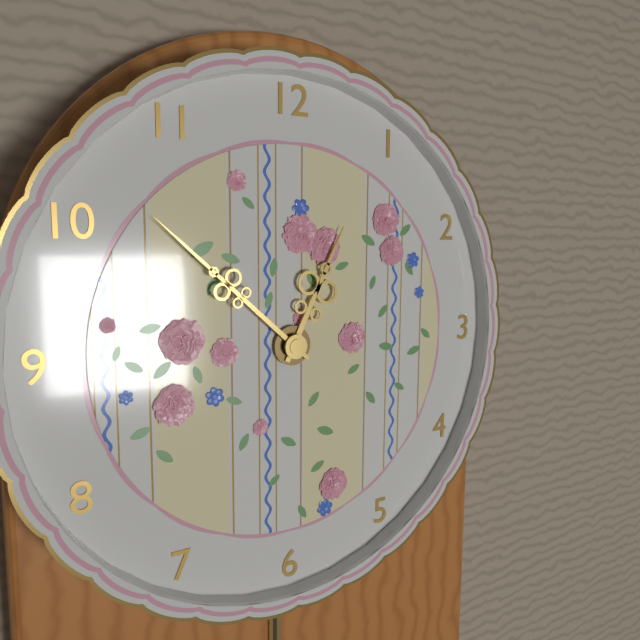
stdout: 12 h 52 min
